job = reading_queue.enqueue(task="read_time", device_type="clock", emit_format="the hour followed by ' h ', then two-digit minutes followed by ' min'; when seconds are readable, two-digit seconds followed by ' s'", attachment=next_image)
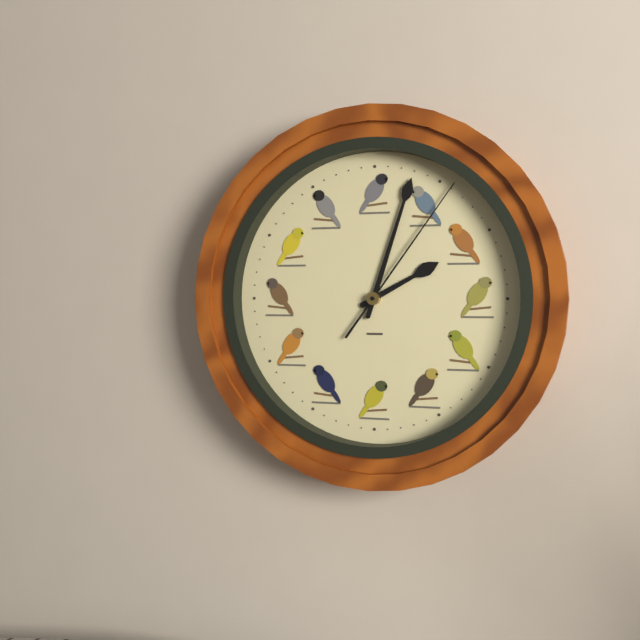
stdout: 2 h 03 min 06 s
